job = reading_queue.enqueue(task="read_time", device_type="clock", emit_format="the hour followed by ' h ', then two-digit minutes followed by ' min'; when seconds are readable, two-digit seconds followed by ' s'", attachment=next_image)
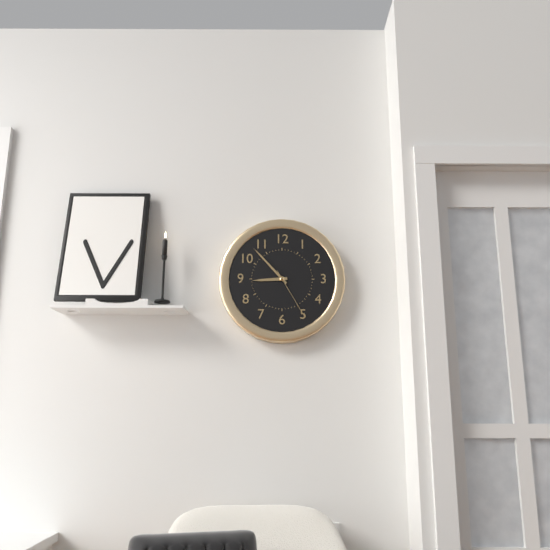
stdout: 8 h 53 min 25 s
